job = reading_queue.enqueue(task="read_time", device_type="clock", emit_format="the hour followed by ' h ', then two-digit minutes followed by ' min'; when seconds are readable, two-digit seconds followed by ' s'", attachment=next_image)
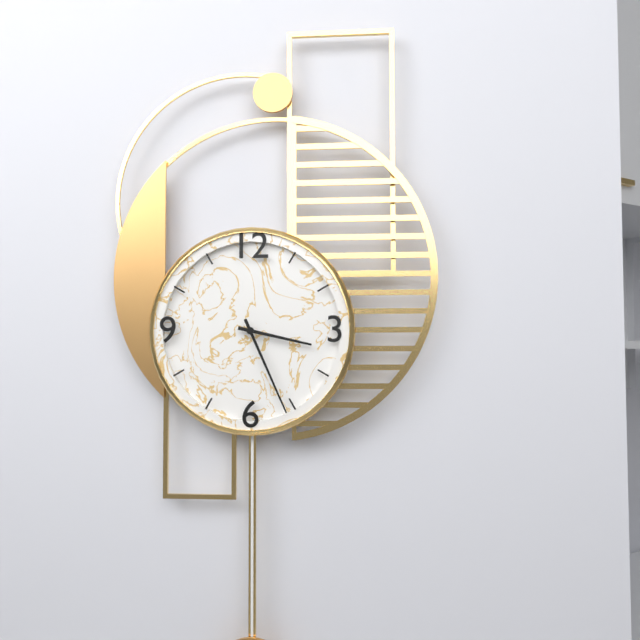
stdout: 3 h 26 min
